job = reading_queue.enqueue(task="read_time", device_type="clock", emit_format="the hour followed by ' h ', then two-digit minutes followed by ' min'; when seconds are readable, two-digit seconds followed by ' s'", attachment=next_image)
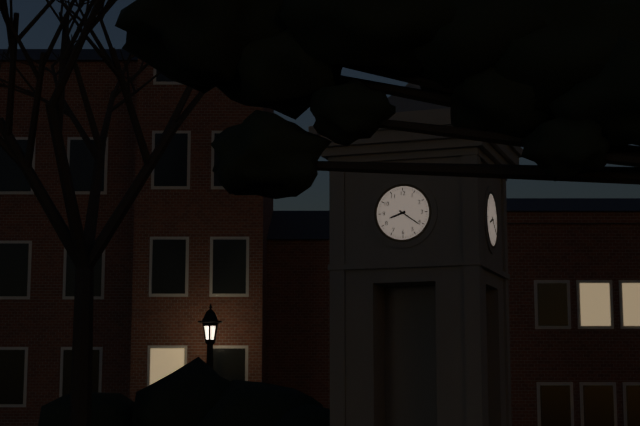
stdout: 8 h 21 min
